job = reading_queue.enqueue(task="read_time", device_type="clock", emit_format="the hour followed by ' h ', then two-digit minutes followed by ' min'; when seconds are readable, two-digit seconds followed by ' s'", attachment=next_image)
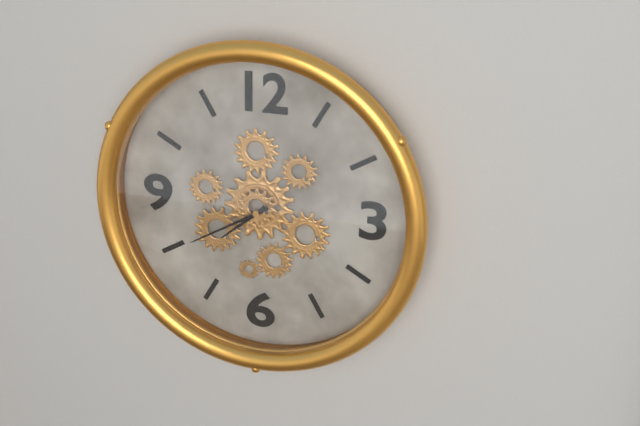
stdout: 7 h 40 min
